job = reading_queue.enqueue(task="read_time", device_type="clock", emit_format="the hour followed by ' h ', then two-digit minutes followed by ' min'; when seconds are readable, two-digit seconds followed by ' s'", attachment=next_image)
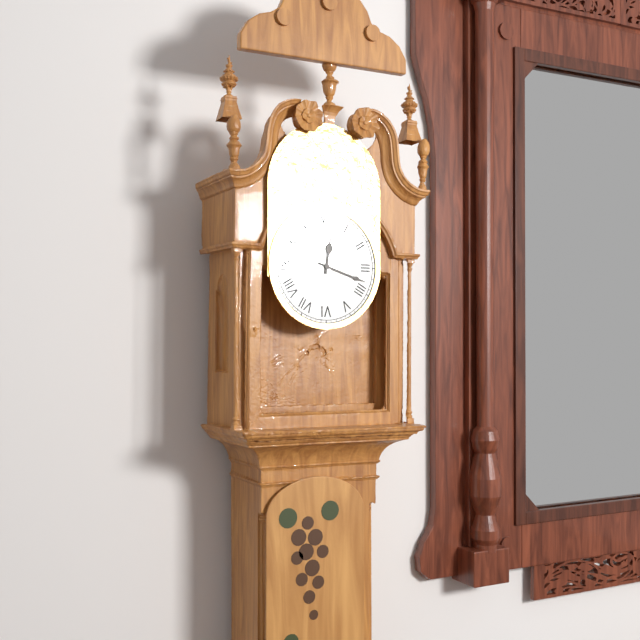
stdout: 12 h 18 min
